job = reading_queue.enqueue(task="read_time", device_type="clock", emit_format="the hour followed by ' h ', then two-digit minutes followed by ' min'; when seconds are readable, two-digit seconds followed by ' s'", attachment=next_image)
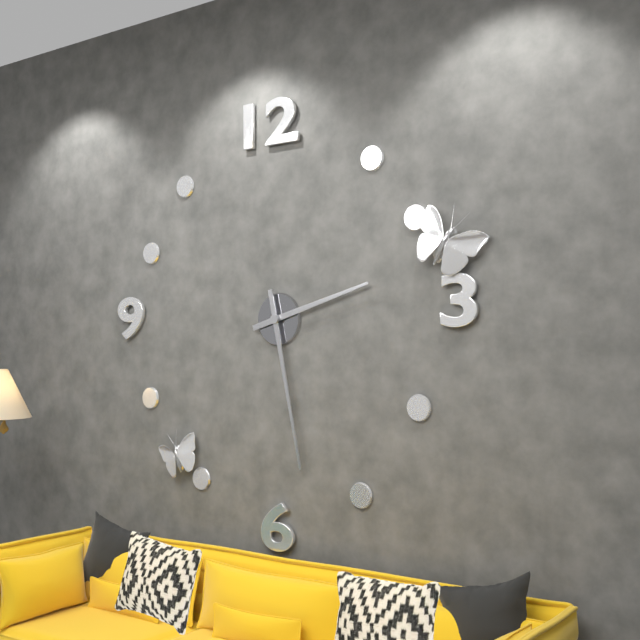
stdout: 2 h 28 min
